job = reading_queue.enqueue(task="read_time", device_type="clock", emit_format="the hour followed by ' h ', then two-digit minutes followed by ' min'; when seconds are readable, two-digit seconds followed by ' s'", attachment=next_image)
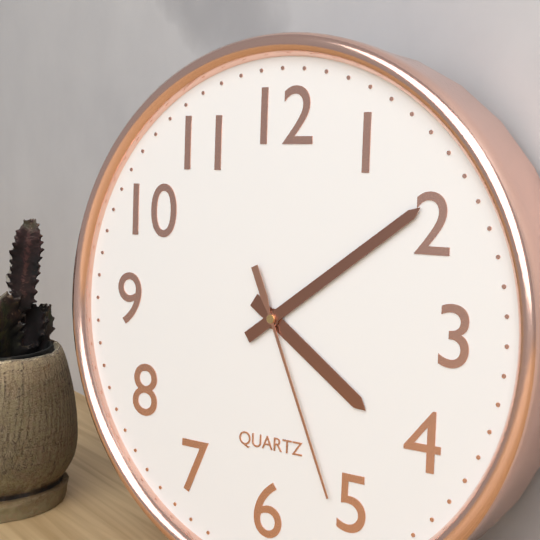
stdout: 4 h 09 min 26 s
